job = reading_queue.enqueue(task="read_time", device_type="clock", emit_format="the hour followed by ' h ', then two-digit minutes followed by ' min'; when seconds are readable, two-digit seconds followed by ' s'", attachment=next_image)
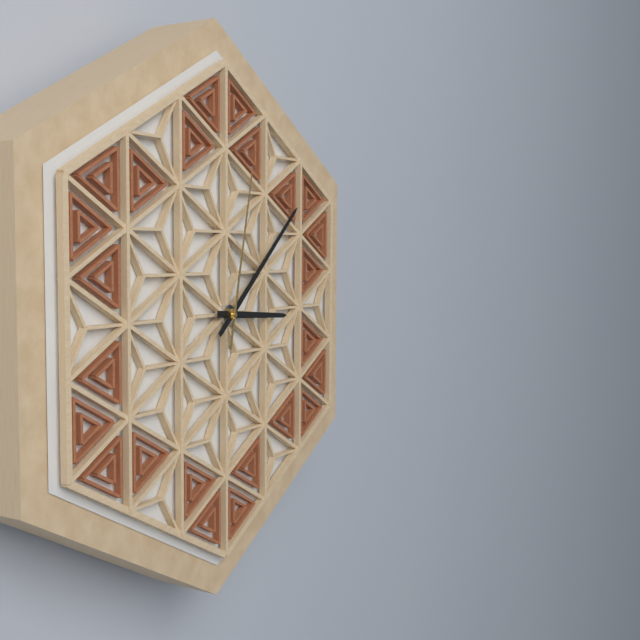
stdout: 3 h 08 min 02 s
